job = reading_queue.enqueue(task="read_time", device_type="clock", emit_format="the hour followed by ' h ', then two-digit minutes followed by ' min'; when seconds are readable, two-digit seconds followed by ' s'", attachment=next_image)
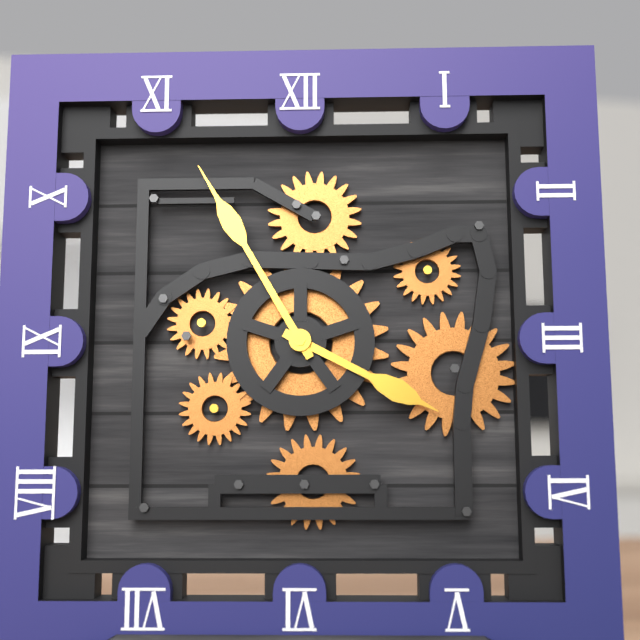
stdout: 3 h 55 min
